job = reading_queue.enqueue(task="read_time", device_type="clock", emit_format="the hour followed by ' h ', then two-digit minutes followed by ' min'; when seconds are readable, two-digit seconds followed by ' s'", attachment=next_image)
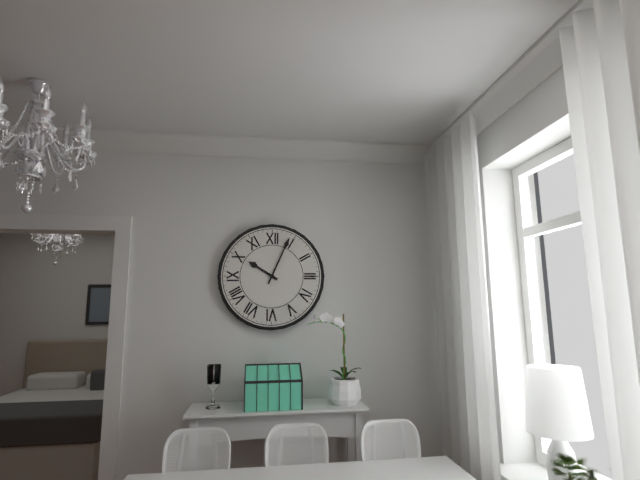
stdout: 10 h 04 min
